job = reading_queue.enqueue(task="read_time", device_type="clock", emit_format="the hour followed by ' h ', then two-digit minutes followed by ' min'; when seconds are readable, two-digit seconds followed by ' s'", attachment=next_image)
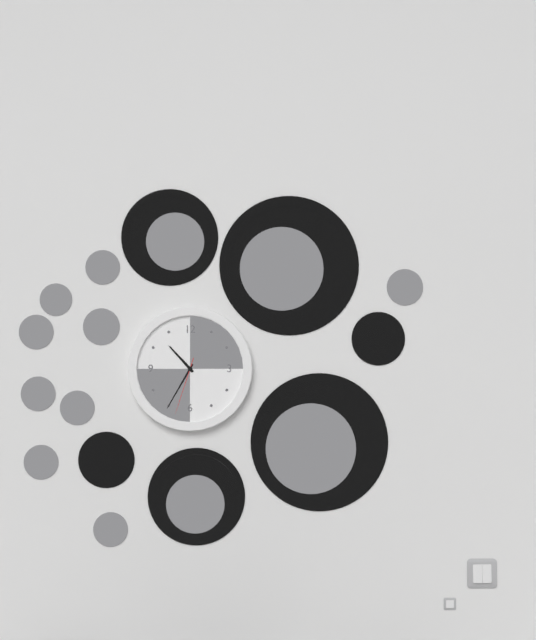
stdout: 10 h 35 min 33 s
